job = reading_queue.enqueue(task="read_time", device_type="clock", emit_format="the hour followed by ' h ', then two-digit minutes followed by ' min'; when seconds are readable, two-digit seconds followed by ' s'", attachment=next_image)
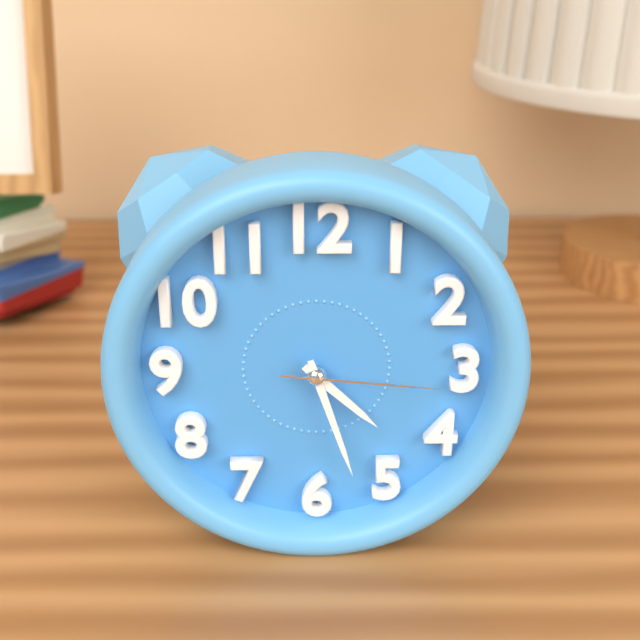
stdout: 4 h 27 min 16 s
